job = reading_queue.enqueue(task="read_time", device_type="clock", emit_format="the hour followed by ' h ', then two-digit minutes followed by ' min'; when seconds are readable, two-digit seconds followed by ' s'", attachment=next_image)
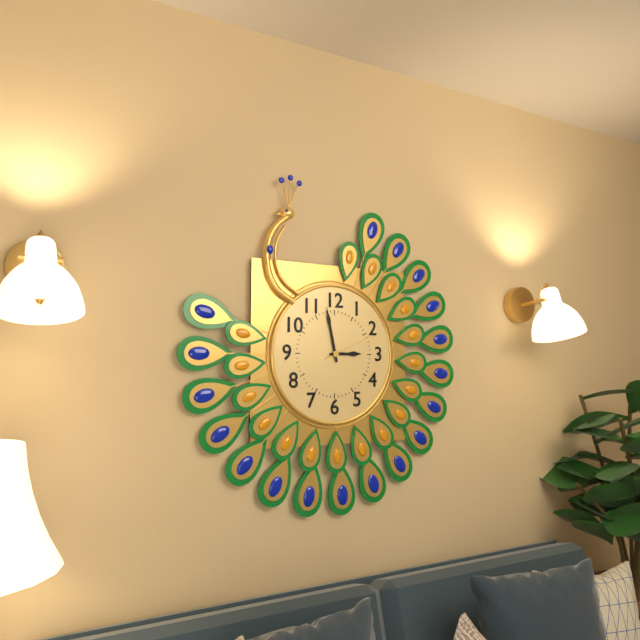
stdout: 2 h 58 min
